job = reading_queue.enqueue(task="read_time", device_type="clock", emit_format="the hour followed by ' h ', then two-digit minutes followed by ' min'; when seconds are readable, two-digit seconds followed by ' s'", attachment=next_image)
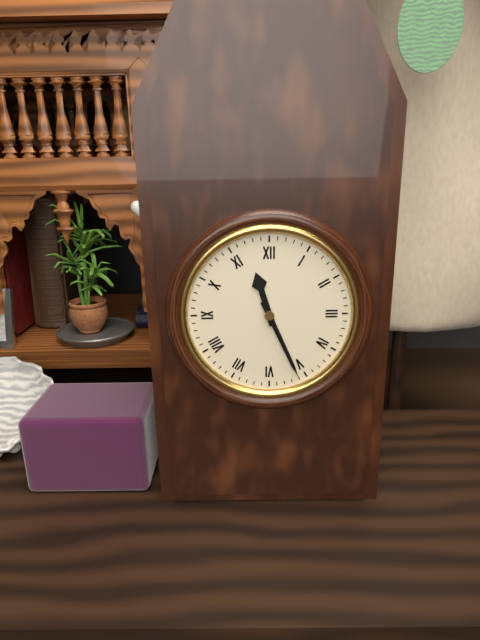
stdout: 11 h 26 min
